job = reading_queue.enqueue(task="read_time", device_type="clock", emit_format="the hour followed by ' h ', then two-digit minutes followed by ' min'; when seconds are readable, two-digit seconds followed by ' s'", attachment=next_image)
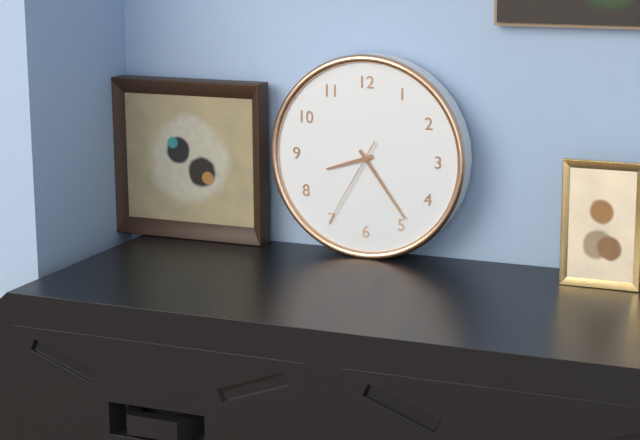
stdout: 8 h 24 min 35 s
